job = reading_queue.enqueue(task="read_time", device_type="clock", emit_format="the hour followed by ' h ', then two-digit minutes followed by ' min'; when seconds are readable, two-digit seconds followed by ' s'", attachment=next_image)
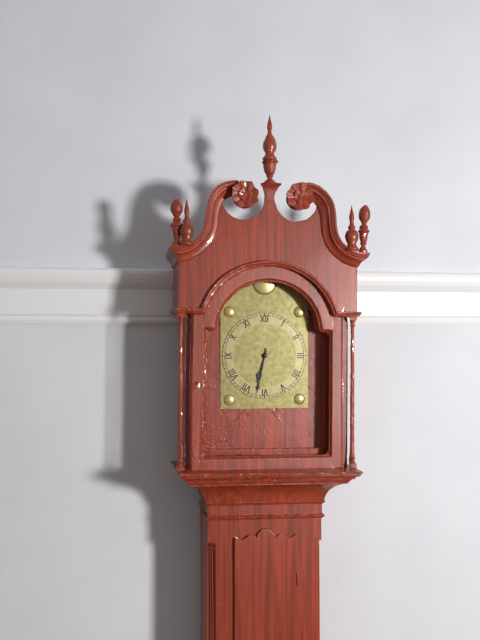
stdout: 6 h 32 min
